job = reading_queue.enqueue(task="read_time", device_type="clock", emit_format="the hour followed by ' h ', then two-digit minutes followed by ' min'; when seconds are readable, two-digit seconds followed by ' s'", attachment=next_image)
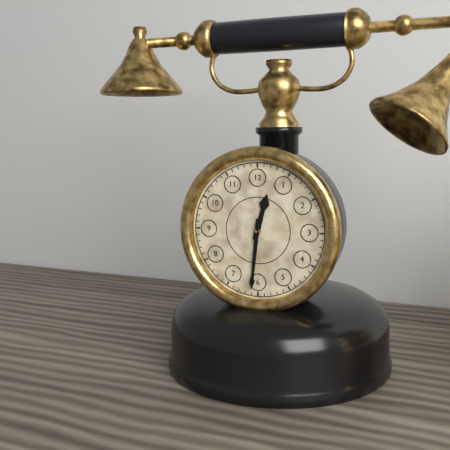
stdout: 12 h 31 min
